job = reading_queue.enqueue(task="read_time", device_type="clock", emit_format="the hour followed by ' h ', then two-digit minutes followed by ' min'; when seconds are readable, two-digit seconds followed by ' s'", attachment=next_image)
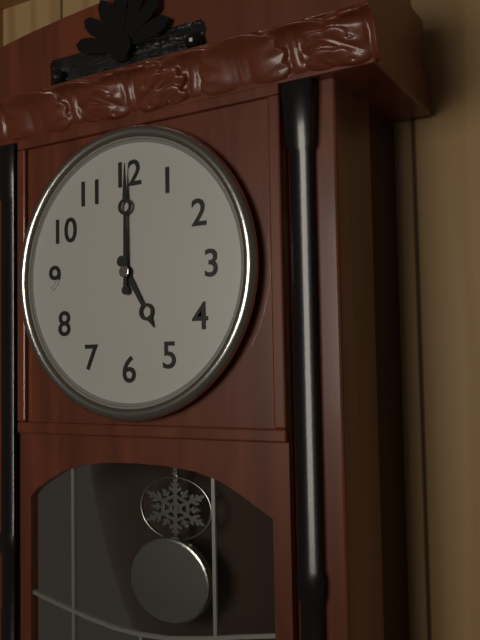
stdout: 5 h 00 min
